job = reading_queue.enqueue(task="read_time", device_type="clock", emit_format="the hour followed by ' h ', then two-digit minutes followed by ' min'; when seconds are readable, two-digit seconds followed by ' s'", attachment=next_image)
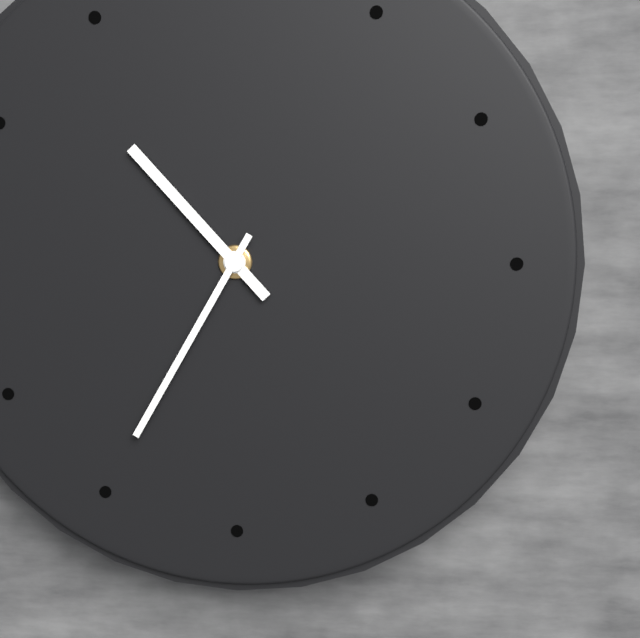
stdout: 10 h 35 min
